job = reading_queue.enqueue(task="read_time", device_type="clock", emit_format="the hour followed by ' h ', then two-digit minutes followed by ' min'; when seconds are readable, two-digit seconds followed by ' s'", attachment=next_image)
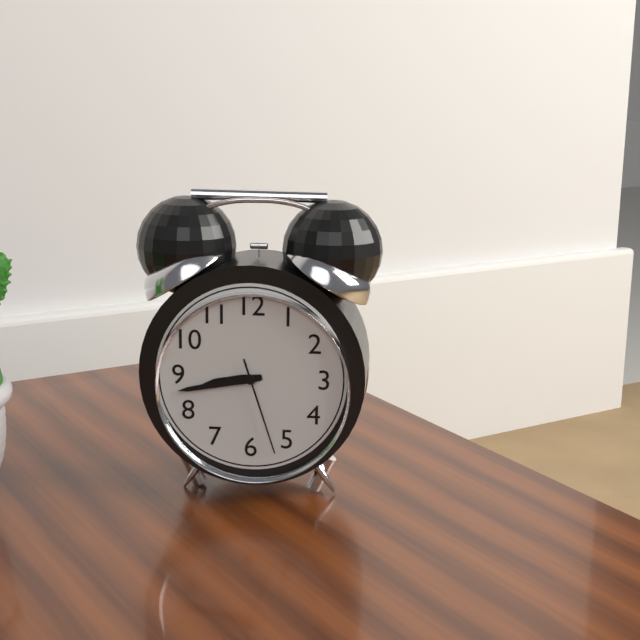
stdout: 8 h 43 min 27 s
